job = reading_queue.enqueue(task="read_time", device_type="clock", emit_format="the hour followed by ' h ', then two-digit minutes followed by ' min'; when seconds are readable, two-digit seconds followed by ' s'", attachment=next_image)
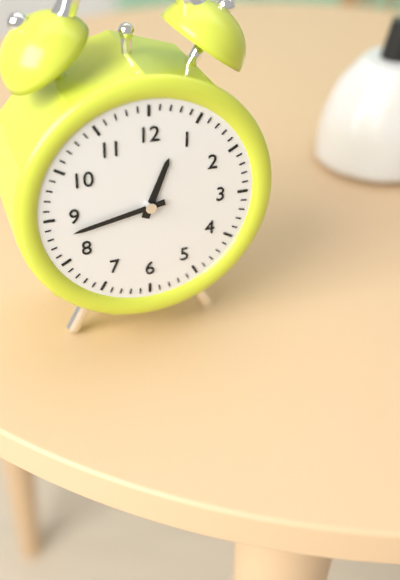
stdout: 12 h 43 min
